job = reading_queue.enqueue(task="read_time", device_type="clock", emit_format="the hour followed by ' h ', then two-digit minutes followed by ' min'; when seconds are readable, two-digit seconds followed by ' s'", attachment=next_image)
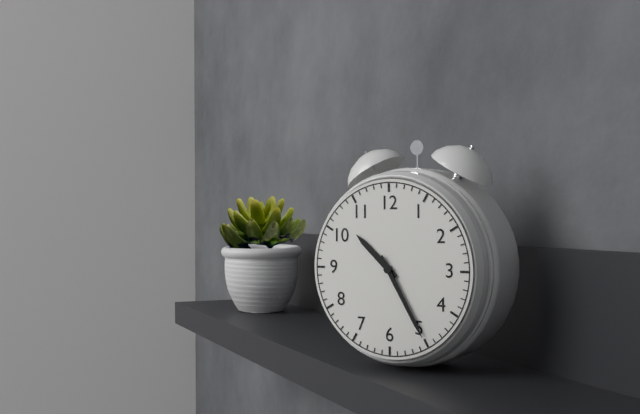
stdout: 10 h 25 min
